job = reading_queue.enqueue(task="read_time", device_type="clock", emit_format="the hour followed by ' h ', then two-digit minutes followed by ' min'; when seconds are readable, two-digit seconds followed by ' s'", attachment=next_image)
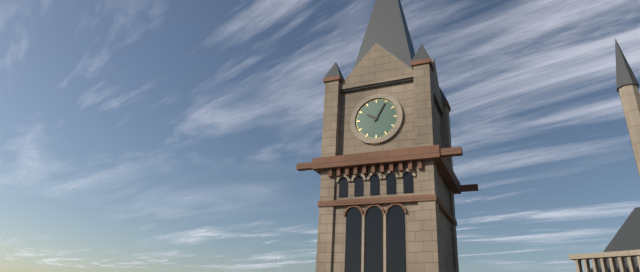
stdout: 10 h 05 min
